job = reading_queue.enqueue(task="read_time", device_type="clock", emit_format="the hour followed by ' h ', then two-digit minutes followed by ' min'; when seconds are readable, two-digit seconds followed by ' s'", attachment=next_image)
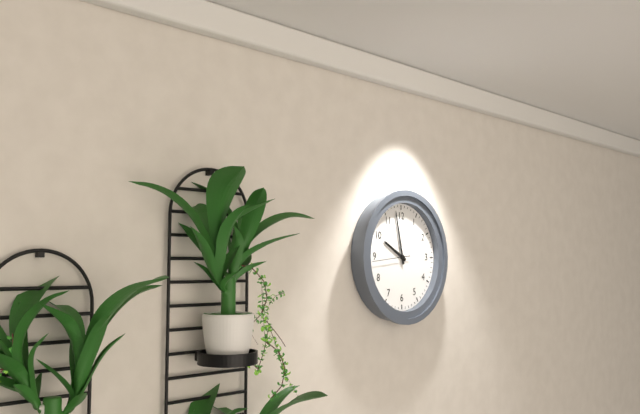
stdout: 9 h 58 min
